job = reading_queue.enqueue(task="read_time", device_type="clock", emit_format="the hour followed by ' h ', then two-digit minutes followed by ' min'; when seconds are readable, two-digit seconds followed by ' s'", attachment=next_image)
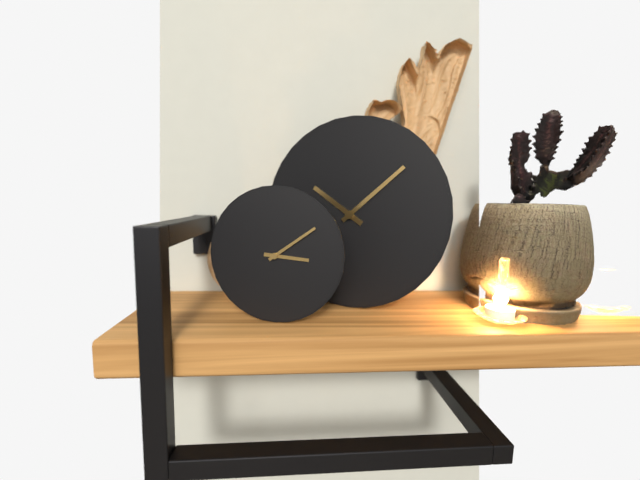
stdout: 3 h 09 min
